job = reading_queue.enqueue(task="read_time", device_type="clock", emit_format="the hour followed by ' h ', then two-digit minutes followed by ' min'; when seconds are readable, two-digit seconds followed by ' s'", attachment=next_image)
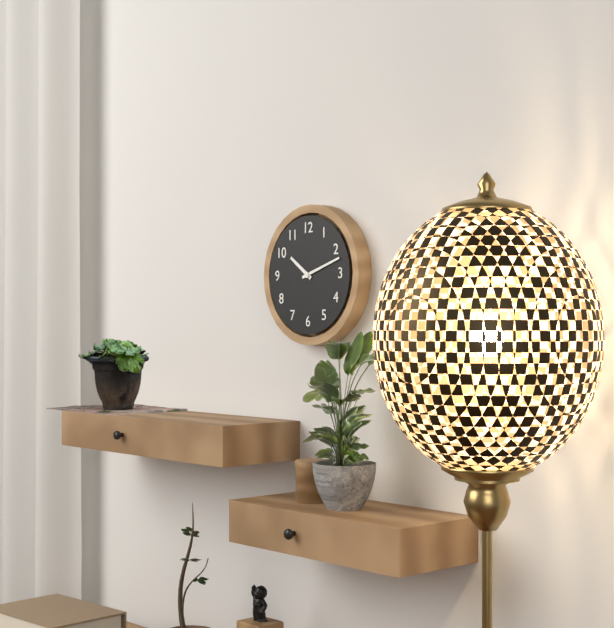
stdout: 10 h 12 min
